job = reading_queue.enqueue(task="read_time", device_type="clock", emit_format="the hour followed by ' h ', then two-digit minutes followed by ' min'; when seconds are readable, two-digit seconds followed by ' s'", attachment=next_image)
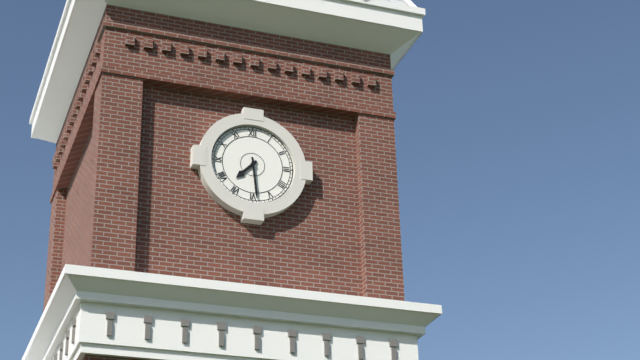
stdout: 7 h 29 min
